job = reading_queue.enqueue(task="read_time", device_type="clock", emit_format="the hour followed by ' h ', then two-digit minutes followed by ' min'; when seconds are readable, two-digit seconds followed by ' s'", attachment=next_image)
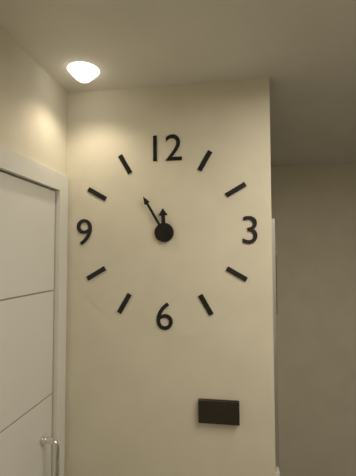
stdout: 11 h 55 min
